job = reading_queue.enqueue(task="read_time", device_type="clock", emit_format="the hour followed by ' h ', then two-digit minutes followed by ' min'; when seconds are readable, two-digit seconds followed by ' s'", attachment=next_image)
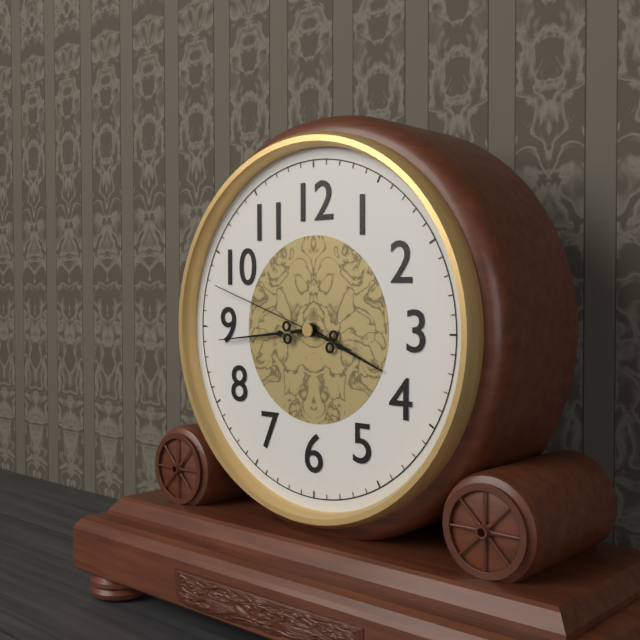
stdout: 3 h 44 min 48 s
